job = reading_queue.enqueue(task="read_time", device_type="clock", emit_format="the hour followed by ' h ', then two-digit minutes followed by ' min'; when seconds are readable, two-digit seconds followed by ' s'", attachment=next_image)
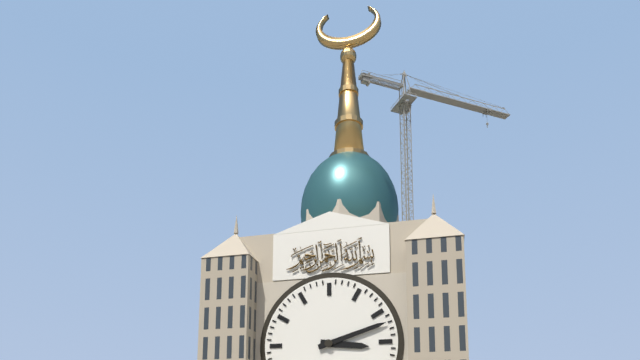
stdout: 3 h 12 min
